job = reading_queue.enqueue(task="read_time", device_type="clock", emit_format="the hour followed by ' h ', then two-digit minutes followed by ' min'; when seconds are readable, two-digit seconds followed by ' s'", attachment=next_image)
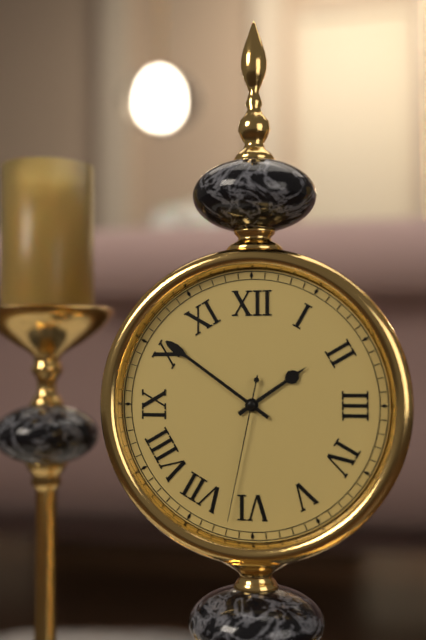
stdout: 1 h 51 min 32 s
